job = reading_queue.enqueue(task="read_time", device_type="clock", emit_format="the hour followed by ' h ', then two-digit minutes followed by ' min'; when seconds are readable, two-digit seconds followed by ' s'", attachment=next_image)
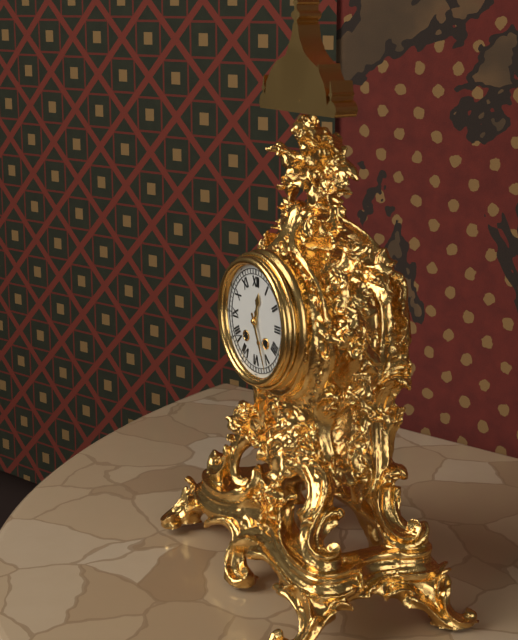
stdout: 12 h 26 min
